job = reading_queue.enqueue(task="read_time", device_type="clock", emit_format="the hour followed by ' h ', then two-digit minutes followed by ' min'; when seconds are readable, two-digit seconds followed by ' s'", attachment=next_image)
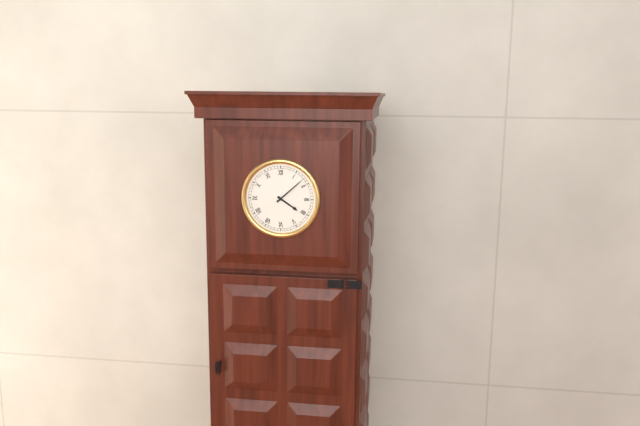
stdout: 4 h 08 min
